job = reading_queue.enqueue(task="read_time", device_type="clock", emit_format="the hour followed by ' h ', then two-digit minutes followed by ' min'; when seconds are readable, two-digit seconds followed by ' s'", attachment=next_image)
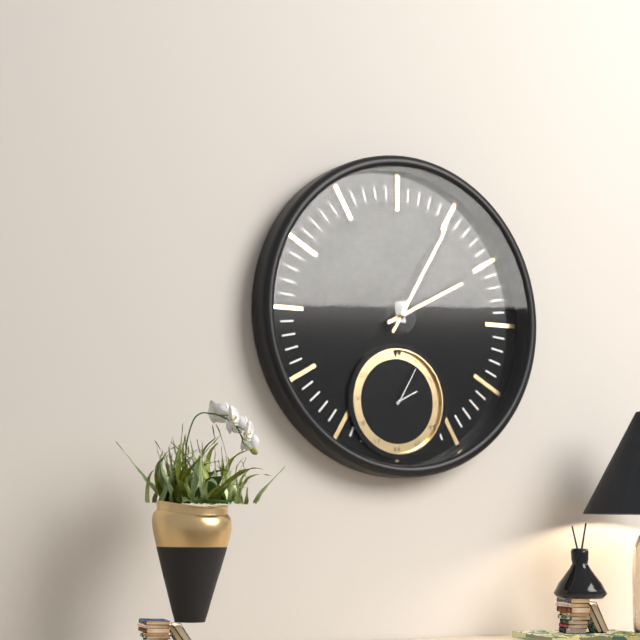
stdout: 2 h 05 min
